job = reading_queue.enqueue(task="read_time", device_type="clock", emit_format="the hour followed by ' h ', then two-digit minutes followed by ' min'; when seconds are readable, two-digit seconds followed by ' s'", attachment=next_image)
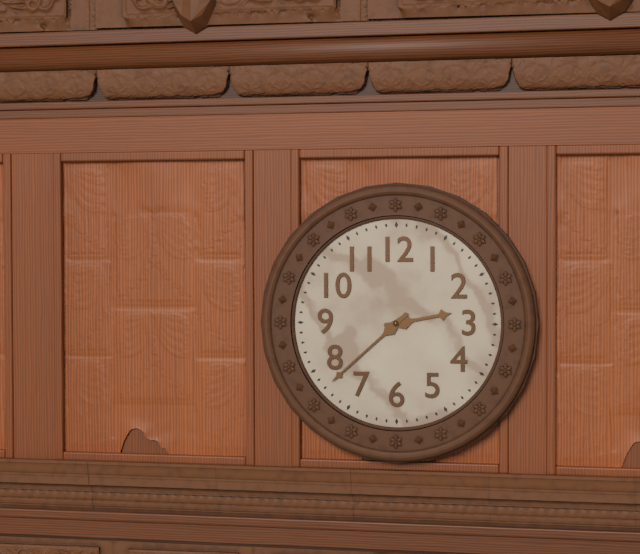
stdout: 2 h 38 min
